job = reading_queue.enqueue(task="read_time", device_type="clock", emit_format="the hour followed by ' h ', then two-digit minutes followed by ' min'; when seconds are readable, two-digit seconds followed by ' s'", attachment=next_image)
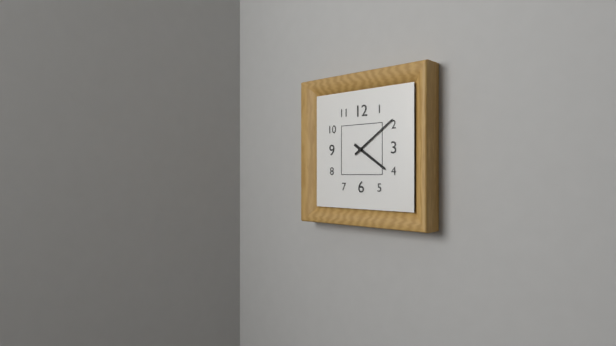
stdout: 4 h 09 min
